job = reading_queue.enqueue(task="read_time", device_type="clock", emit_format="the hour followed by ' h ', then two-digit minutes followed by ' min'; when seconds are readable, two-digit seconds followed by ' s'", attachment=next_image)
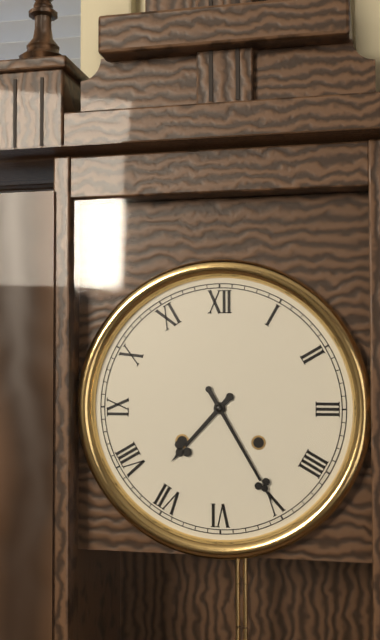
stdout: 7 h 25 min
